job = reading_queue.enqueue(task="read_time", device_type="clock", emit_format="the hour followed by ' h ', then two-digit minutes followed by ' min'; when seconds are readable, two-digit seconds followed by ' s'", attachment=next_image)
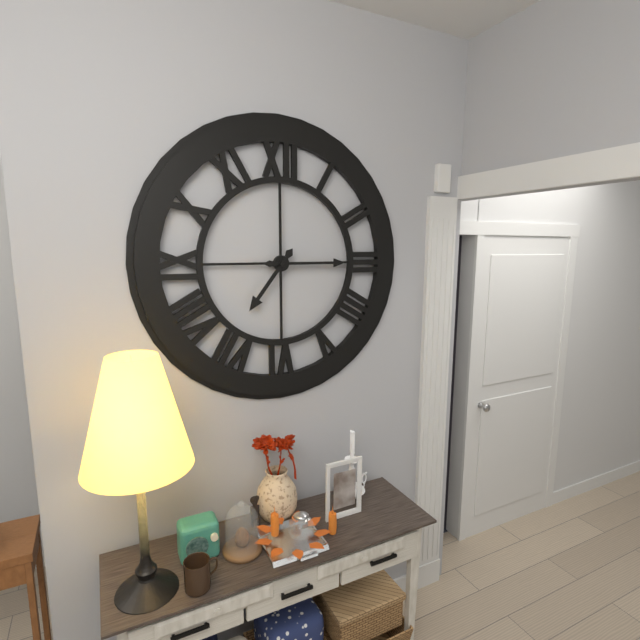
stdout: 7 h 15 min
